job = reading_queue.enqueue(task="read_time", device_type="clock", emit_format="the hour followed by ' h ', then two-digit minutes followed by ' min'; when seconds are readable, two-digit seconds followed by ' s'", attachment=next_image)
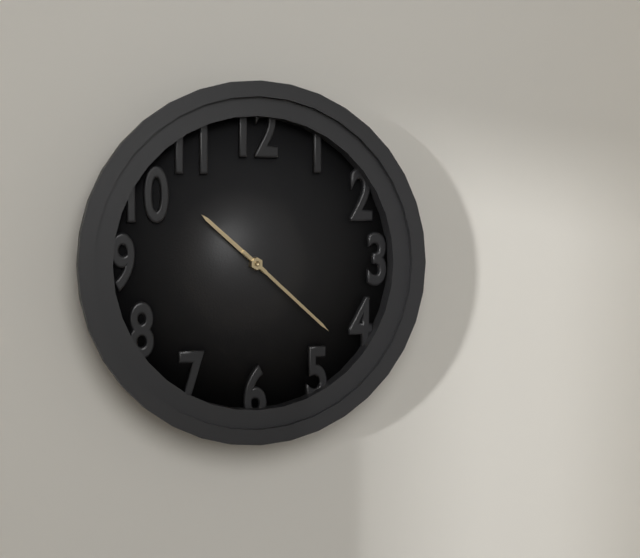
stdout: 10 h 22 min
